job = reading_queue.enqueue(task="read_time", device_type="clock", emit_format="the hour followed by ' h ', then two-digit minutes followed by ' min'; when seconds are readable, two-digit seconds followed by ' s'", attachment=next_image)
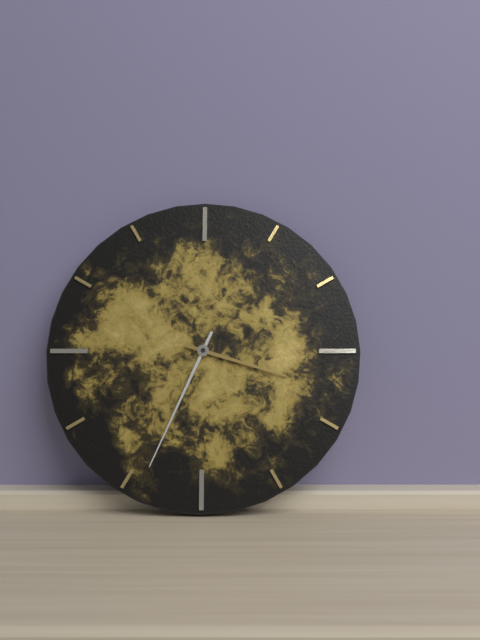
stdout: 3 h 34 min
